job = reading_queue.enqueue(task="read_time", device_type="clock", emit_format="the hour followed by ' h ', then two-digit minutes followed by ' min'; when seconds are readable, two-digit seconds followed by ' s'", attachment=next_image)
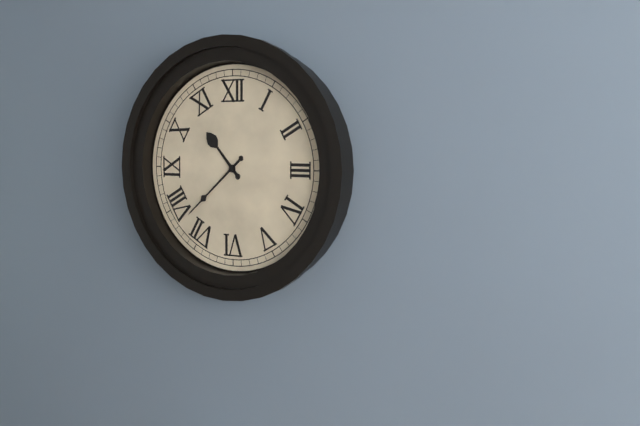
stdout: 10 h 38 min
